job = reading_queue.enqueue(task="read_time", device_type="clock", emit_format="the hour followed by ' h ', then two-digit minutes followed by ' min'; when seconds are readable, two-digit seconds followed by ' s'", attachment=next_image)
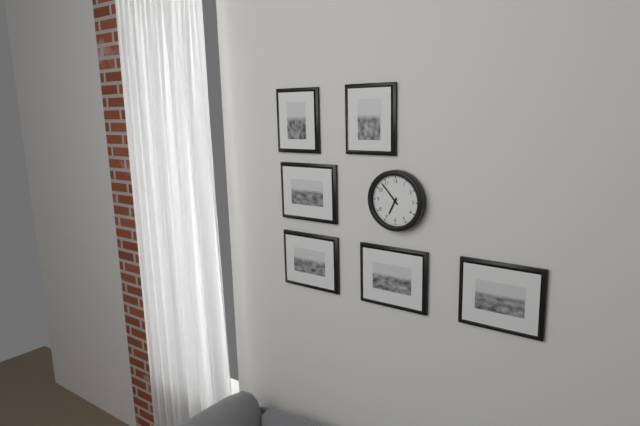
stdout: 6 h 53 min
